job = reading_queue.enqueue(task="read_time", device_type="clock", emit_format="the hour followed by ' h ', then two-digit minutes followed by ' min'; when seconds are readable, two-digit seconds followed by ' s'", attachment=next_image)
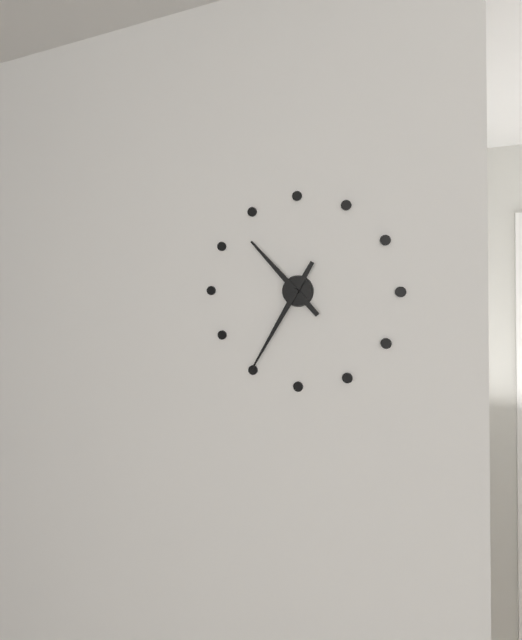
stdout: 10 h 35 min
